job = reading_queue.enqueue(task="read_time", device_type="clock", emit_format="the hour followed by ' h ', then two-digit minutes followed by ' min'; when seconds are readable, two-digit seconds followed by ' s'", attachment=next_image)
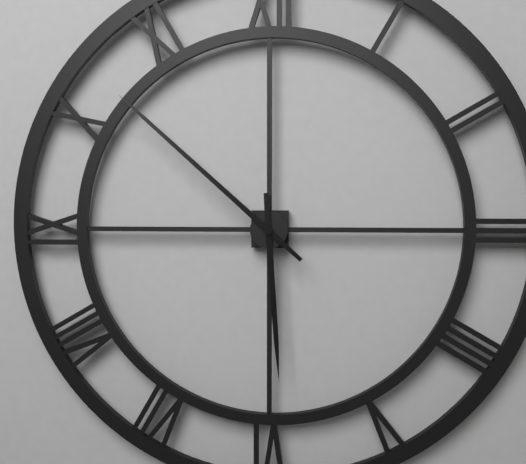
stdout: 5 h 52 min
